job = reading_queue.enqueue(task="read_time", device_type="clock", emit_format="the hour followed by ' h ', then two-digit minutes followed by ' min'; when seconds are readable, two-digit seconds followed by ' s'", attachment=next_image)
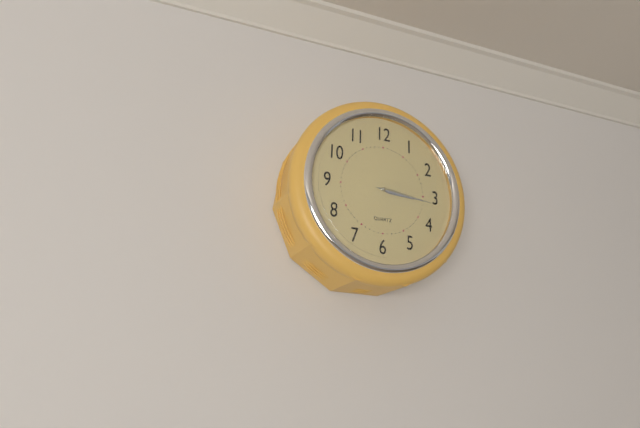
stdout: 3 h 16 min
